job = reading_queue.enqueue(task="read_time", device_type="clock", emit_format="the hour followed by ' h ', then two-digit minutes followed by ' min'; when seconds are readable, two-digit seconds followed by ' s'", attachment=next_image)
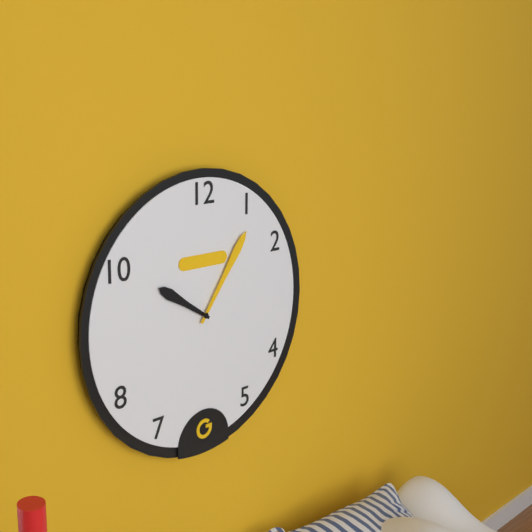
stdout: 10 h 06 min
